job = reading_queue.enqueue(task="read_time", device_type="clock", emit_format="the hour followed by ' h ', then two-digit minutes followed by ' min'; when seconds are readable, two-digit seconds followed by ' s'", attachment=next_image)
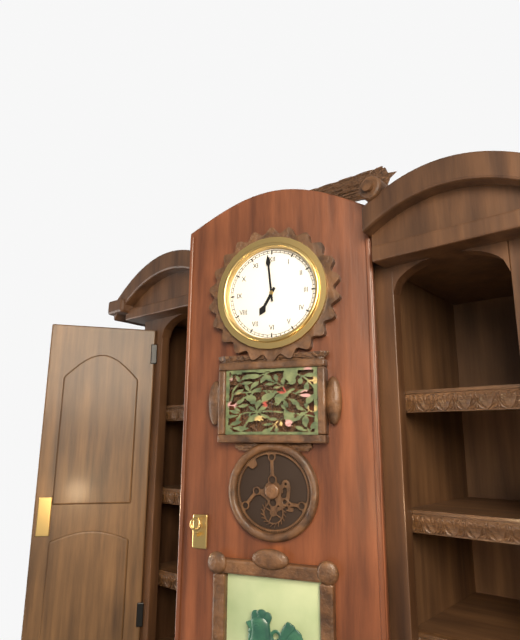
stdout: 6 h 59 min
